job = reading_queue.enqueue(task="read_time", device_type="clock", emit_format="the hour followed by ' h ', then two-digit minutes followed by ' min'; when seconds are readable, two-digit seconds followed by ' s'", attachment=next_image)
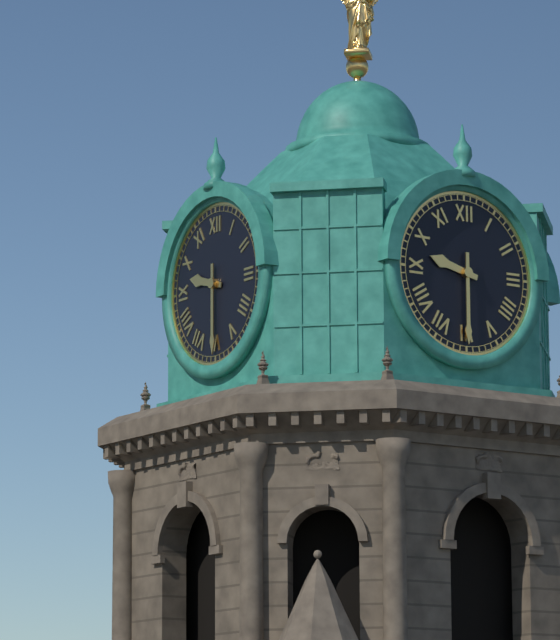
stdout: 9 h 30 min
